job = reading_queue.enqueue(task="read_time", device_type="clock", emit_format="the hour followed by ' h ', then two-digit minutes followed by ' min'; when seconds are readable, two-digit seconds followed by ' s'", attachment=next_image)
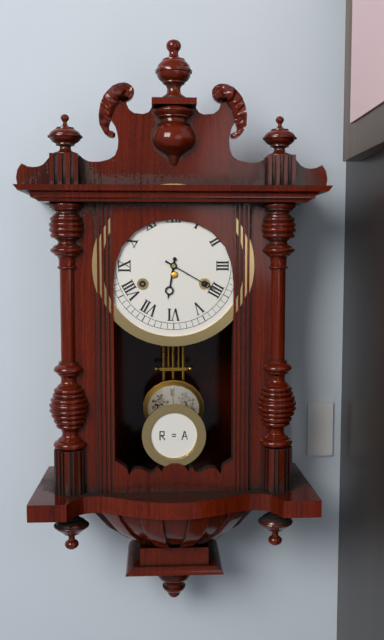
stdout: 6 h 20 min
